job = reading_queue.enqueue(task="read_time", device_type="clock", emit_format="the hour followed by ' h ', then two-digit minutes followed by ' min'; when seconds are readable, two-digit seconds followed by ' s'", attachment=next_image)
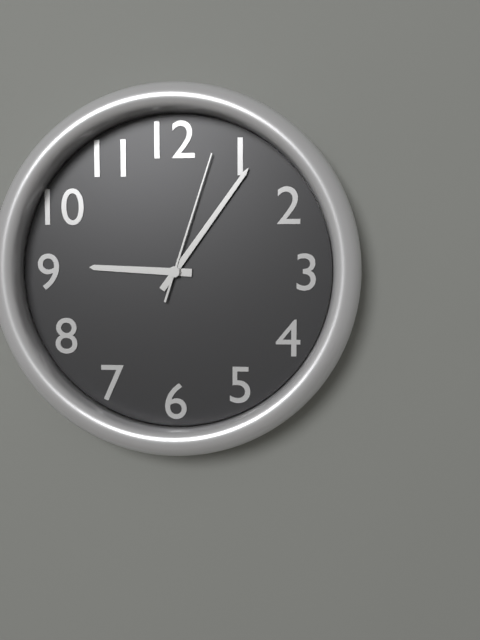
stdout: 9 h 06 min 03 s
